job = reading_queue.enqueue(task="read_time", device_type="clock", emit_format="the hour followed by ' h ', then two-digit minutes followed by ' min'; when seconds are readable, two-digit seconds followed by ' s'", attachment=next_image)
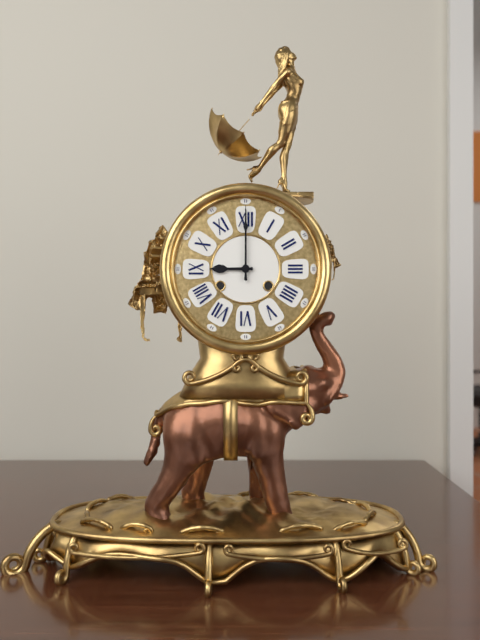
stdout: 9 h 00 min
